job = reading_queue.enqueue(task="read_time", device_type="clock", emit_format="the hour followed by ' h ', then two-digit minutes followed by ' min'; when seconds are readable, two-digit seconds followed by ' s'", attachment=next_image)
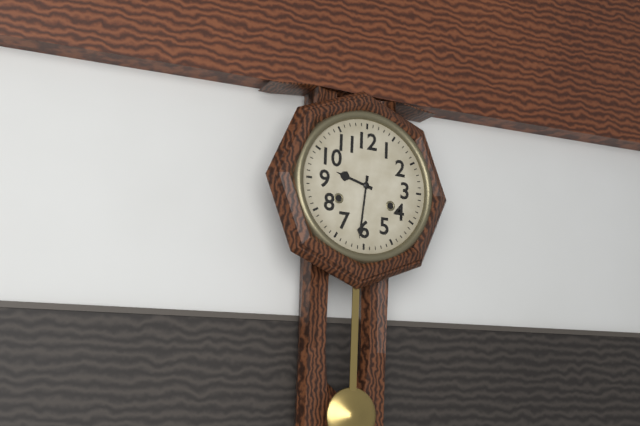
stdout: 9 h 31 min
